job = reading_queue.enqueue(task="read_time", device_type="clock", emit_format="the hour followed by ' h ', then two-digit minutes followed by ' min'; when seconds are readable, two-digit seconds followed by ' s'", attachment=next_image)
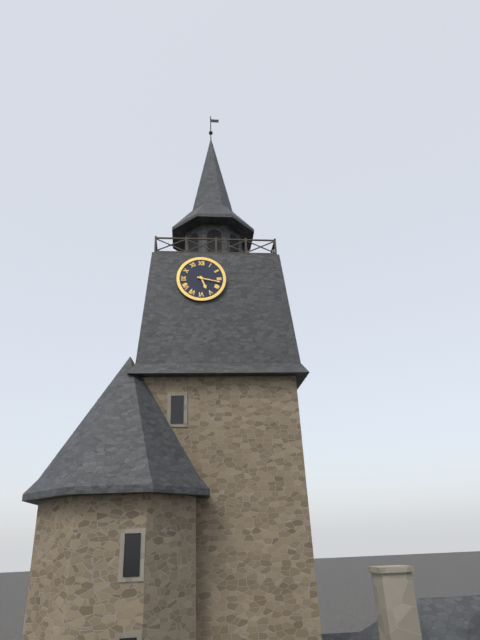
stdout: 5 h 17 min
